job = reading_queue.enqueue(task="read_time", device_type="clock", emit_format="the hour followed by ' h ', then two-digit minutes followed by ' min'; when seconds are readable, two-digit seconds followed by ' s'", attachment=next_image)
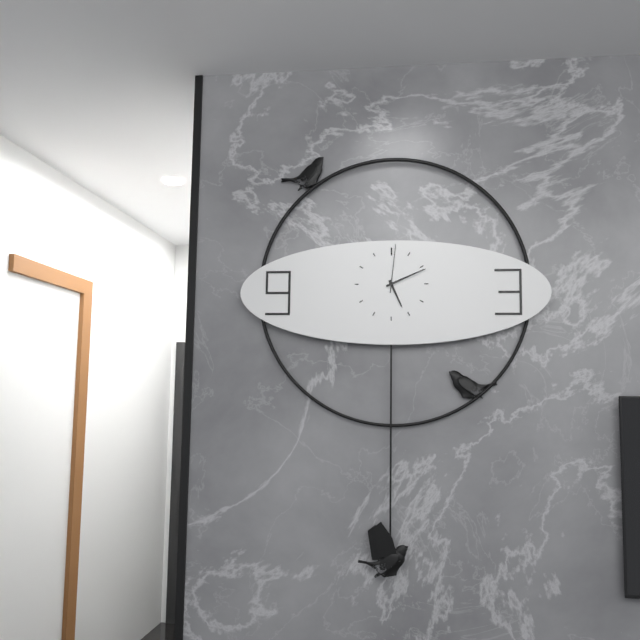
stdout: 5 h 11 min 01 s
